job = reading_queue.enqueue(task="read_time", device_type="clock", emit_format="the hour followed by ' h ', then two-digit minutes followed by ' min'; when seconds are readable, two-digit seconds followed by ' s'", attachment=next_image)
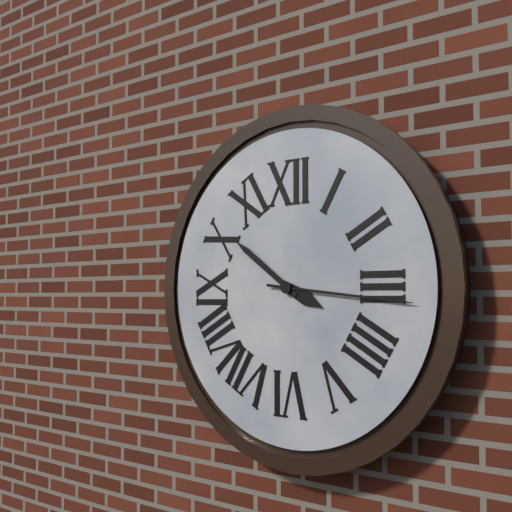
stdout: 3 h 51 min 16 s
